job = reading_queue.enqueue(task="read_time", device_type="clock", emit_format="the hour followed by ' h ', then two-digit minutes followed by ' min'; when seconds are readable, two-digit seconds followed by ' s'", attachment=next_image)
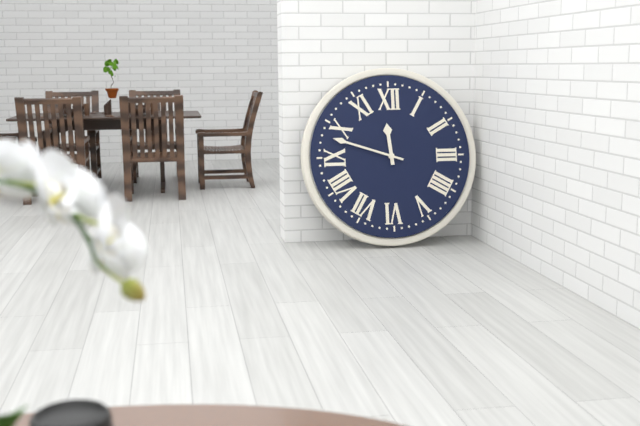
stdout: 11 h 48 min
